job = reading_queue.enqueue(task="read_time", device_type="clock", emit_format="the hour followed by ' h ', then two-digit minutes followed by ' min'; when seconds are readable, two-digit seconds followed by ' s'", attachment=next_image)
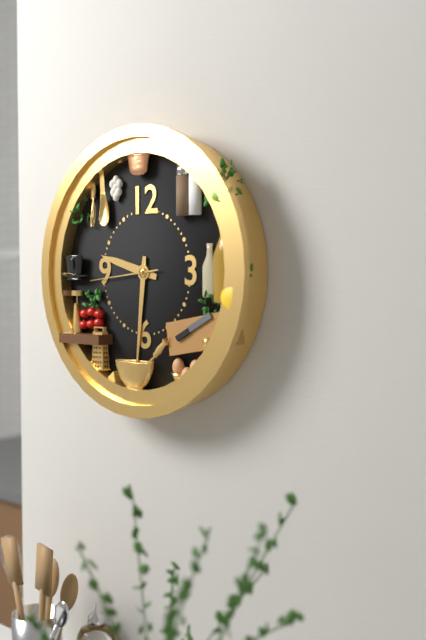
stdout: 9 h 31 min 44 s
